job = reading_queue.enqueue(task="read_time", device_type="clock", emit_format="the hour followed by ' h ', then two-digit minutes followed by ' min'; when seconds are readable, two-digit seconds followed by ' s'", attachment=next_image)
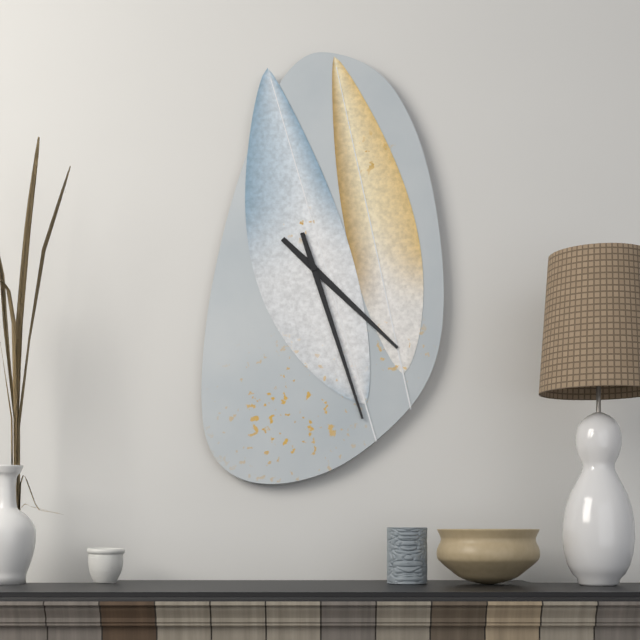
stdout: 4 h 27 min
